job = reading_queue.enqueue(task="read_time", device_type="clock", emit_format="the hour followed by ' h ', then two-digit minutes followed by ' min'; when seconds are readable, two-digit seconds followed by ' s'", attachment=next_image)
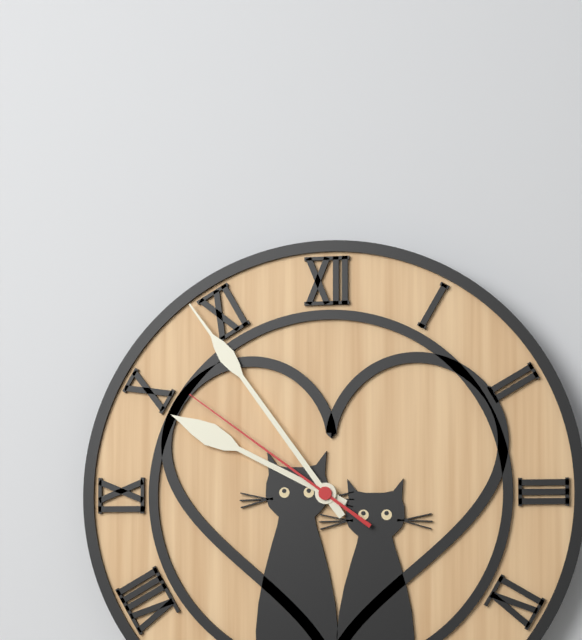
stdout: 9 h 54 min 51 s
